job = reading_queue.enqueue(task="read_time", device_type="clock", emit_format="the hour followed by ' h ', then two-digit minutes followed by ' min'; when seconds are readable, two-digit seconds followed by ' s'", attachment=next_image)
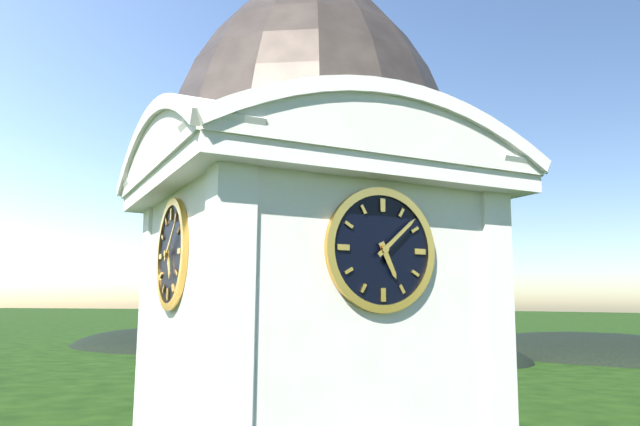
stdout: 5 h 08 min
